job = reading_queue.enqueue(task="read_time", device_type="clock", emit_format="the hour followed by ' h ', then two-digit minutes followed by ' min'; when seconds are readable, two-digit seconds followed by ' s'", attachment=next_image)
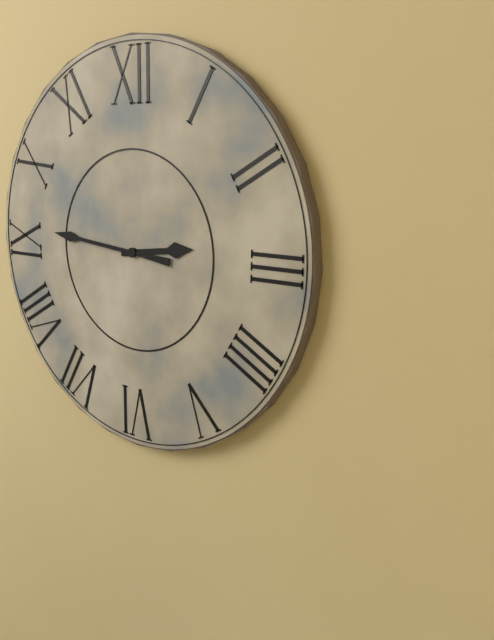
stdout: 2 h 46 min
